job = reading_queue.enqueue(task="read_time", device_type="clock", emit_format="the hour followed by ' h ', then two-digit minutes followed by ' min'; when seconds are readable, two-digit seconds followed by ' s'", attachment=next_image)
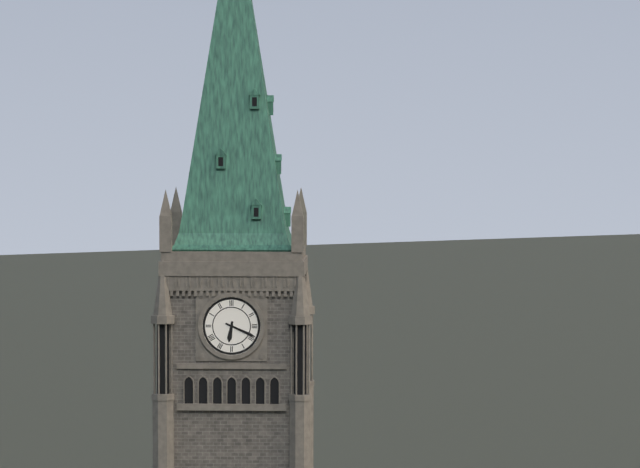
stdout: 6 h 19 min
